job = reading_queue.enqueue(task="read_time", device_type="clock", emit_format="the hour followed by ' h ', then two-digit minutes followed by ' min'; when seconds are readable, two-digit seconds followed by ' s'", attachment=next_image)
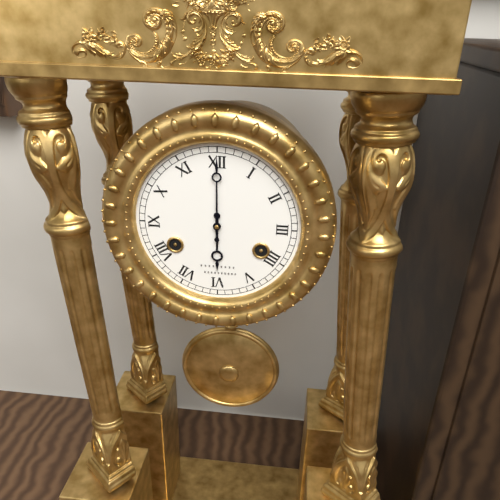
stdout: 6 h 00 min
